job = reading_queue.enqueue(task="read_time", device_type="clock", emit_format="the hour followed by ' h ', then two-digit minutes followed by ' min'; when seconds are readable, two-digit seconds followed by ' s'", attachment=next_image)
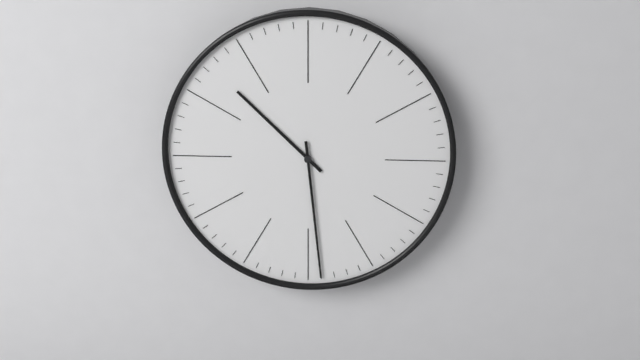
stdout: 10 h 29 min
